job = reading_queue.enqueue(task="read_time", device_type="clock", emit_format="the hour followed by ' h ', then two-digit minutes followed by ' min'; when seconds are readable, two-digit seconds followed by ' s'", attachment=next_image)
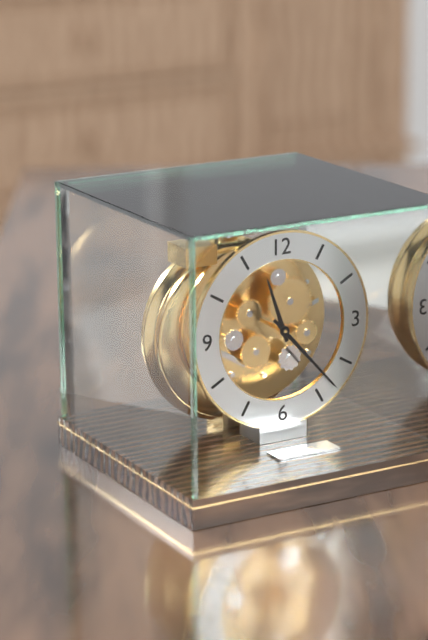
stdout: 11 h 23 min
